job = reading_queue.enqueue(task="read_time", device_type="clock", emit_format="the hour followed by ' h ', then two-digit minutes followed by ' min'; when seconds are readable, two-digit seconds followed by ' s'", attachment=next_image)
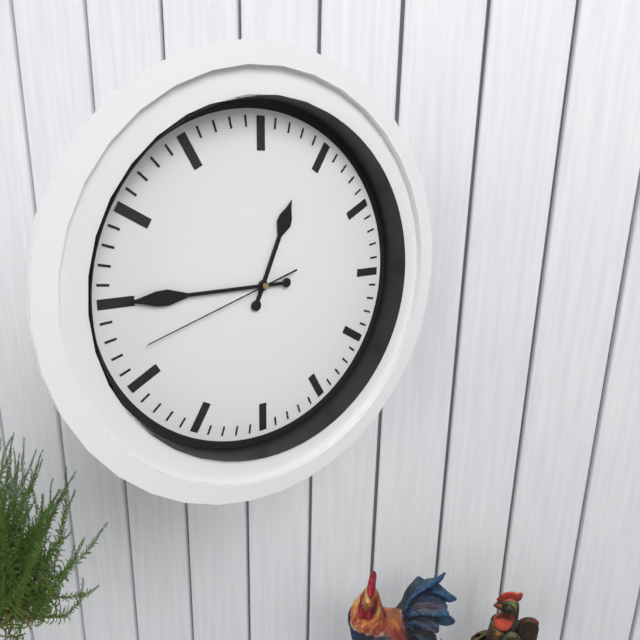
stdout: 12 h 45 min 42 s
